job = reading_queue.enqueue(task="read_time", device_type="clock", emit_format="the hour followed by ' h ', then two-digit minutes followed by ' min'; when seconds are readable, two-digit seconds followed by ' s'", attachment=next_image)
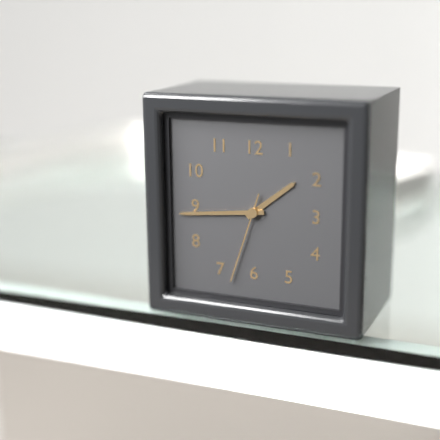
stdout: 1 h 44 min 33 s
